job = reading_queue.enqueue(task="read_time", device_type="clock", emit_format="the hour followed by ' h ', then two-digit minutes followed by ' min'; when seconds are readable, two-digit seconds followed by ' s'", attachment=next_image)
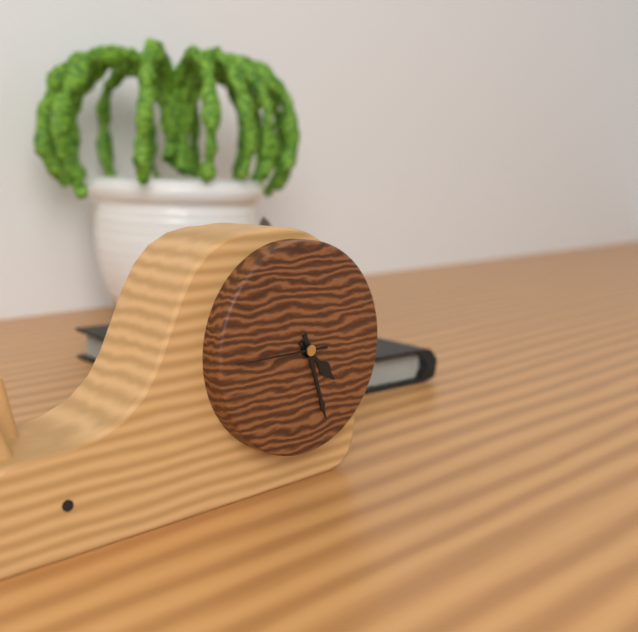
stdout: 4 h 27 min 45 s
